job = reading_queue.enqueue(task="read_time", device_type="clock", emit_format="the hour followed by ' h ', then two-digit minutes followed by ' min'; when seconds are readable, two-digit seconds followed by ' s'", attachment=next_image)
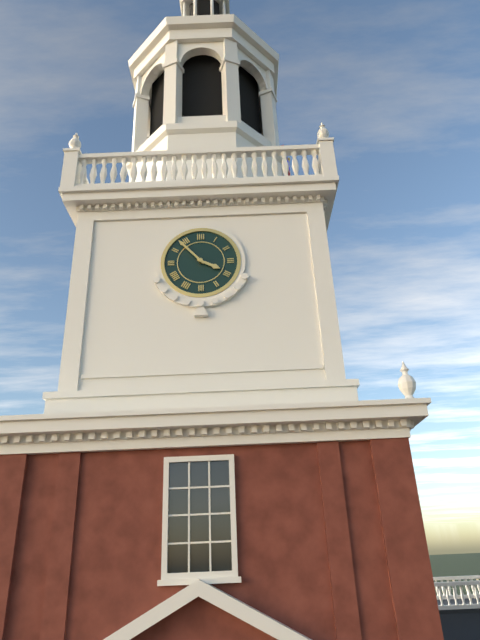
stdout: 3 h 53 min
